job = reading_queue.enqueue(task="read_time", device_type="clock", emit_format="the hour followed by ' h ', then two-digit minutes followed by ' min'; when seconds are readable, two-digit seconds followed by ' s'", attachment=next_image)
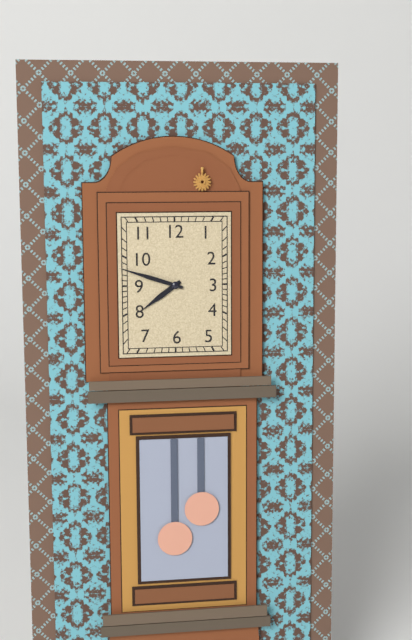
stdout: 7 h 48 min
